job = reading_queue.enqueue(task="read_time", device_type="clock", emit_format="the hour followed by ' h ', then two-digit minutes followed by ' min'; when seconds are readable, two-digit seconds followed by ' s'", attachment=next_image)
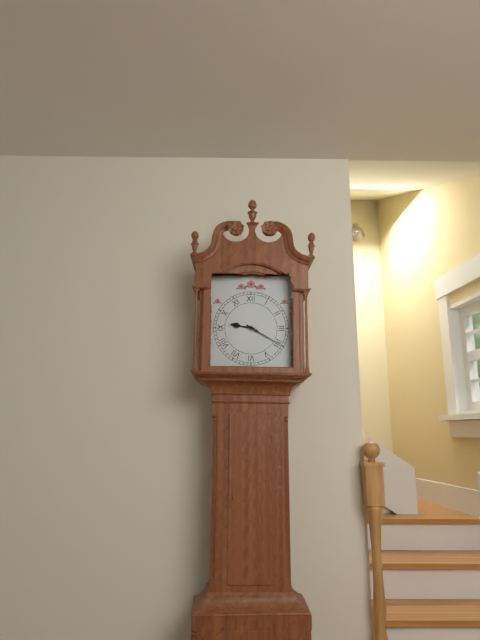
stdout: 9 h 20 min
